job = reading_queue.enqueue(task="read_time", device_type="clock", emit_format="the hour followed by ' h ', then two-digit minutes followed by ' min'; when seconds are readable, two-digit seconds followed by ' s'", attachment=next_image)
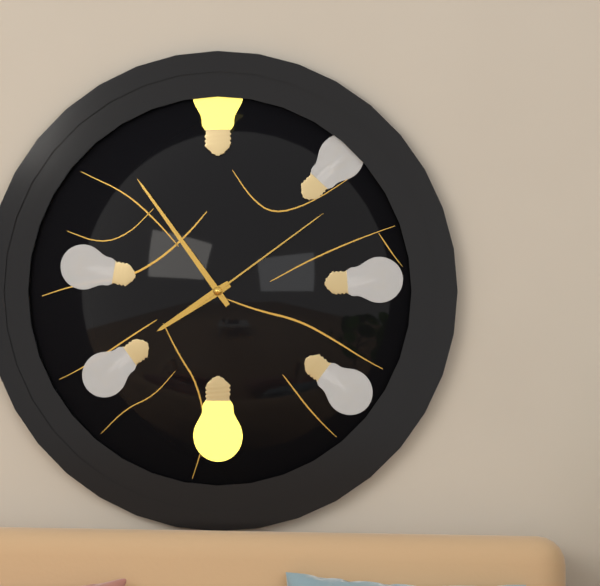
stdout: 7 h 54 min 09 s
